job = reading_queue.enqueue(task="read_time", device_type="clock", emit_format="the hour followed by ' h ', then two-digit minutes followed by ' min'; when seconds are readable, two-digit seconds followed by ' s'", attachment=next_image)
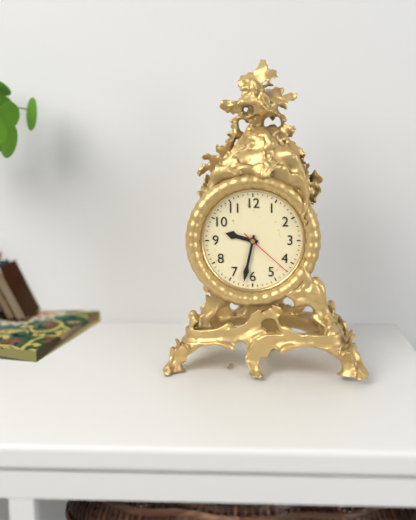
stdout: 9 h 32 min 22 s
